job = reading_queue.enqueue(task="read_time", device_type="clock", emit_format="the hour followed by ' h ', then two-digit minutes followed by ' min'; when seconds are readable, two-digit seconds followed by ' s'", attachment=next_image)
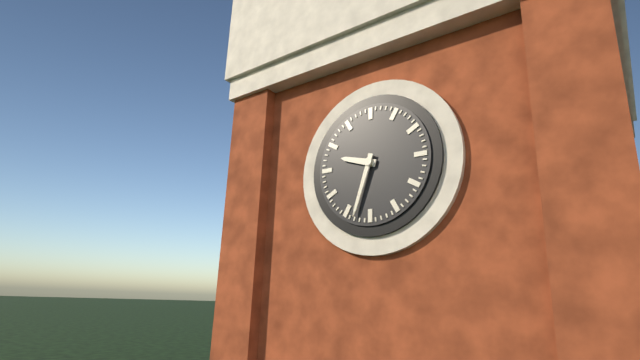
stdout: 9 h 33 min
